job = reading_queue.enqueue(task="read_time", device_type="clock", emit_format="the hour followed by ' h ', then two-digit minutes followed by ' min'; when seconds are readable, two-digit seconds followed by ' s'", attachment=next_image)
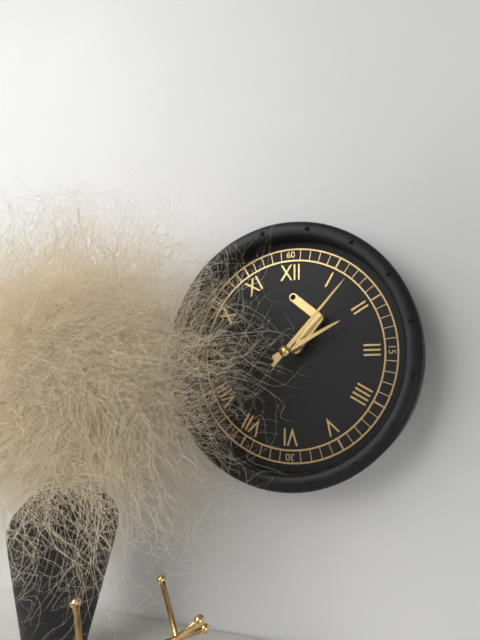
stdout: 2 h 07 min
